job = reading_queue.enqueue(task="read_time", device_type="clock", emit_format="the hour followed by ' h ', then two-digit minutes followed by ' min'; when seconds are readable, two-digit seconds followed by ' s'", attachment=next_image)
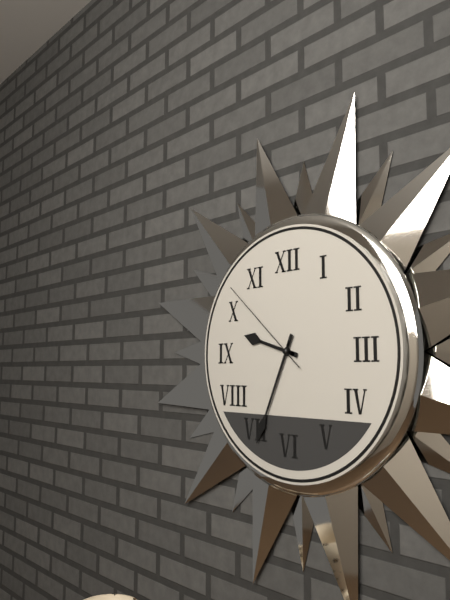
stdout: 9 h 34 min 52 s
